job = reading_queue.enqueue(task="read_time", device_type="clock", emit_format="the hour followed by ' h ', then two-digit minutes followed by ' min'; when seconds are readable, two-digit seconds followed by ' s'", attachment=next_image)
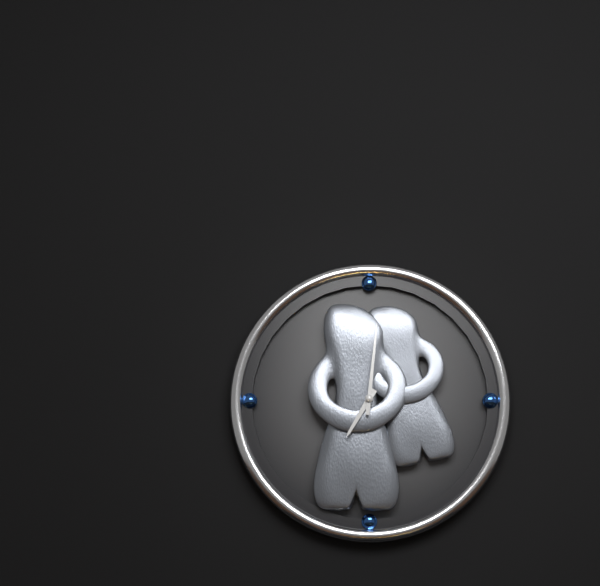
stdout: 7 h 01 min
